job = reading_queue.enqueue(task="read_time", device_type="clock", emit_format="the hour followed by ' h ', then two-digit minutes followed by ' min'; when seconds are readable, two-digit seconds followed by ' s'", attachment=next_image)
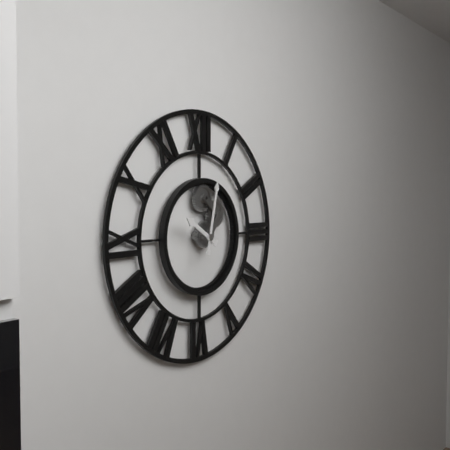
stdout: 10 h 02 min
